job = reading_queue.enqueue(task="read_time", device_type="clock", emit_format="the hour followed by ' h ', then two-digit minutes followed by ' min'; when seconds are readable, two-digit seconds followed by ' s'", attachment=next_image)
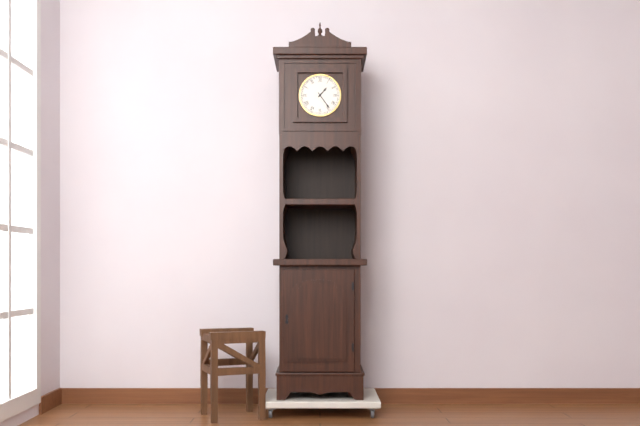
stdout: 1 h 24 min
